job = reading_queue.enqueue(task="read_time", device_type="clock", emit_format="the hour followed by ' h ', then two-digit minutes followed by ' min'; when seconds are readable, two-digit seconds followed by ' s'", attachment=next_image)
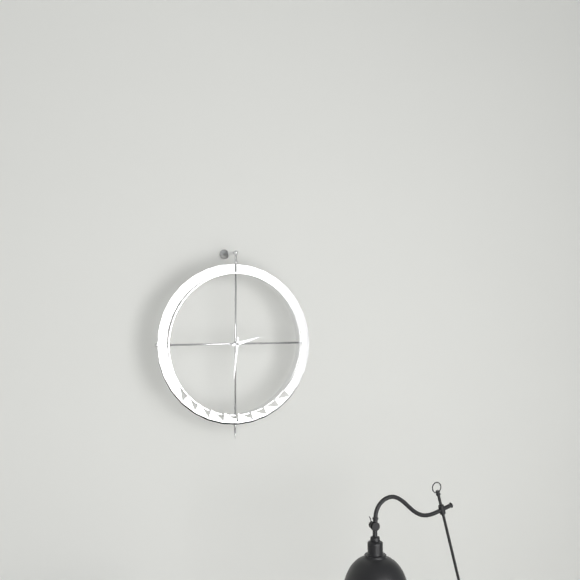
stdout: 2 h 31 min
